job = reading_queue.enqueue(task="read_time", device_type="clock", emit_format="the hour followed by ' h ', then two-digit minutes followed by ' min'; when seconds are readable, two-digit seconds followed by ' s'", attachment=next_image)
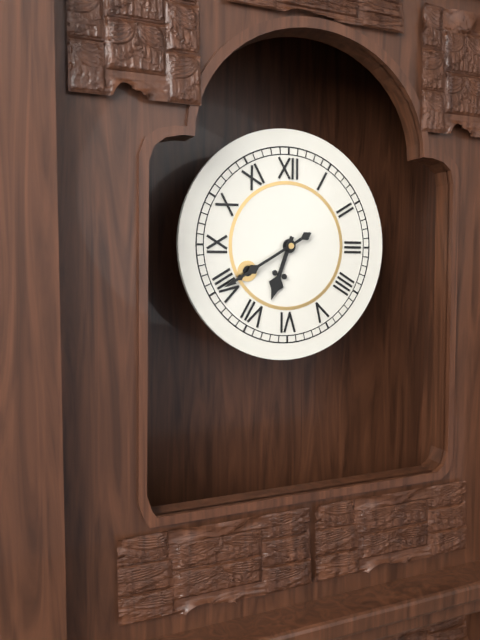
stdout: 6 h 40 min
